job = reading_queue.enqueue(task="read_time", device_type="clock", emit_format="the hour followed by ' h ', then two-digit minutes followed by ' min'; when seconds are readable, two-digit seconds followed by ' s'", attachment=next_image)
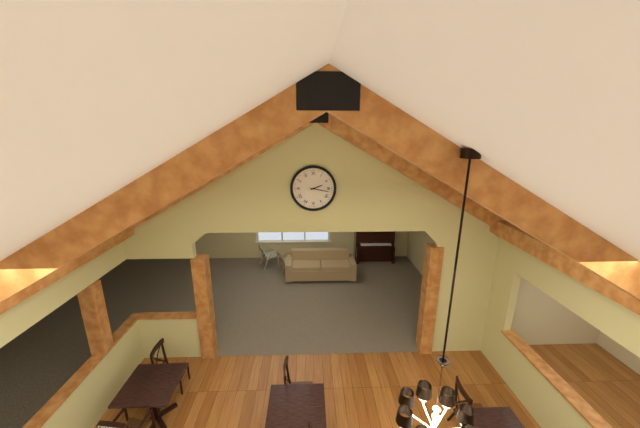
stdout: 2 h 17 min
